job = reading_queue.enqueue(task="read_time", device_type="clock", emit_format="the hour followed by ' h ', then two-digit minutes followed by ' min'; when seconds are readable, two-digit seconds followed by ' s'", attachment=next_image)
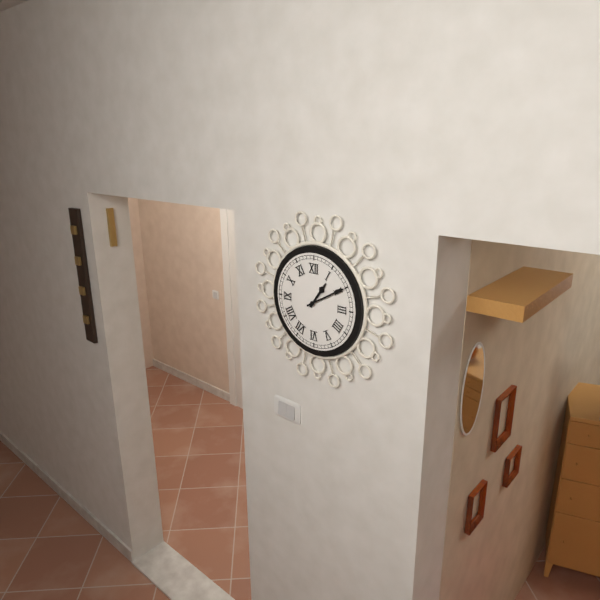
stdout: 1 h 10 min
